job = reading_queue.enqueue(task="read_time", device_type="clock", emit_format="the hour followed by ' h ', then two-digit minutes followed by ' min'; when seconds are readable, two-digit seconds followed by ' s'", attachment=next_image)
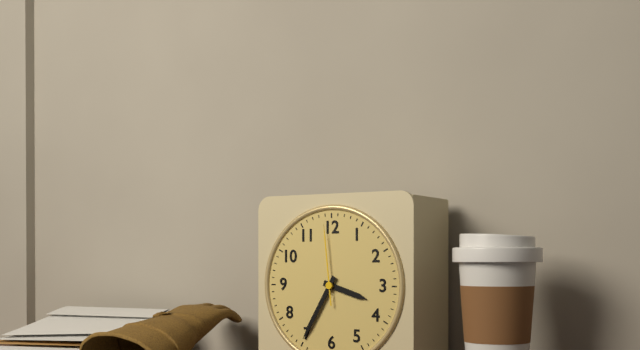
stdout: 3 h 35 min 59 s
